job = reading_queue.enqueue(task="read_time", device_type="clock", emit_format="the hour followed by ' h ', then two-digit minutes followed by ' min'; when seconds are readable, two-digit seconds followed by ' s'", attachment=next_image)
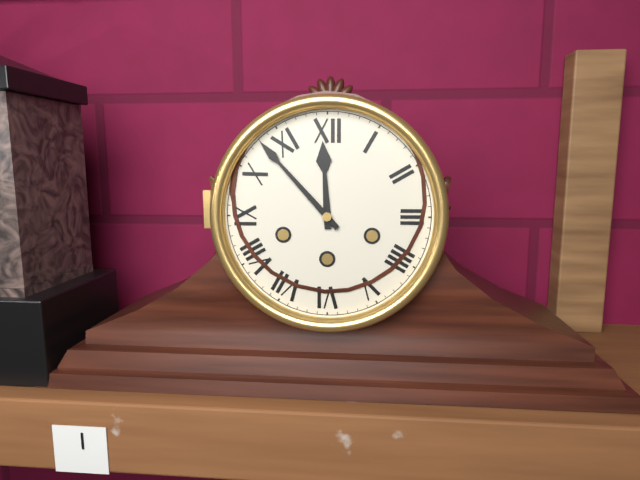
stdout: 11 h 53 min
